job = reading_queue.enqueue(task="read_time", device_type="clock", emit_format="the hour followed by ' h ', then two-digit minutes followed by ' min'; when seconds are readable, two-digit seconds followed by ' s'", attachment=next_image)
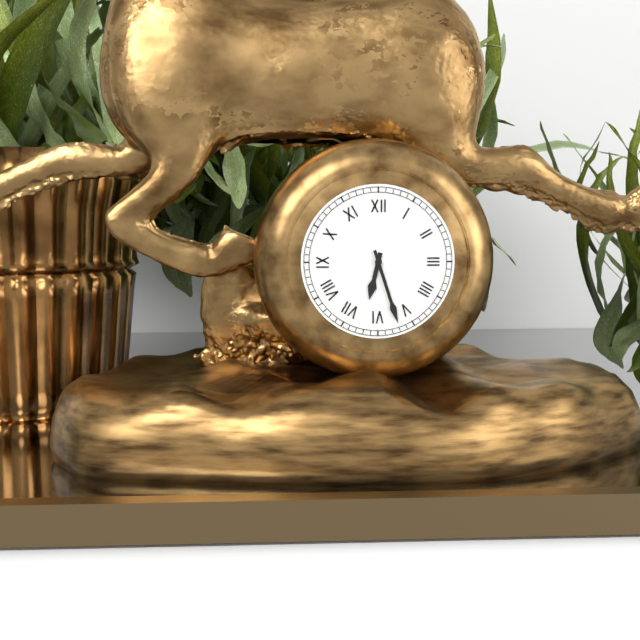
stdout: 6 h 27 min
